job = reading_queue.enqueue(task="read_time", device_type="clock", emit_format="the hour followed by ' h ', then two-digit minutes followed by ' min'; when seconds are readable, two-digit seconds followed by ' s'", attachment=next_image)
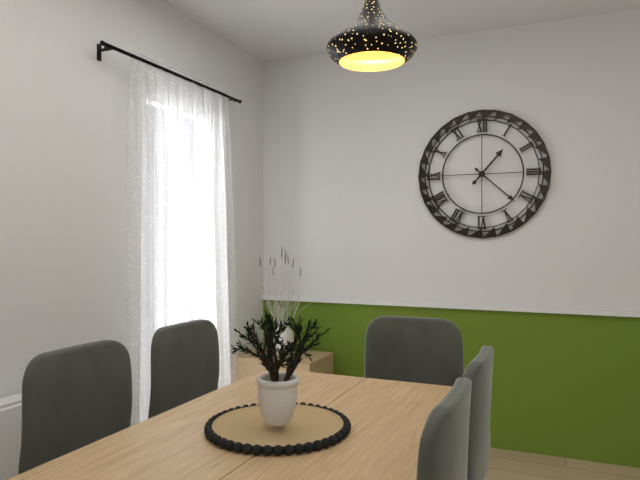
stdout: 1 h 22 min
